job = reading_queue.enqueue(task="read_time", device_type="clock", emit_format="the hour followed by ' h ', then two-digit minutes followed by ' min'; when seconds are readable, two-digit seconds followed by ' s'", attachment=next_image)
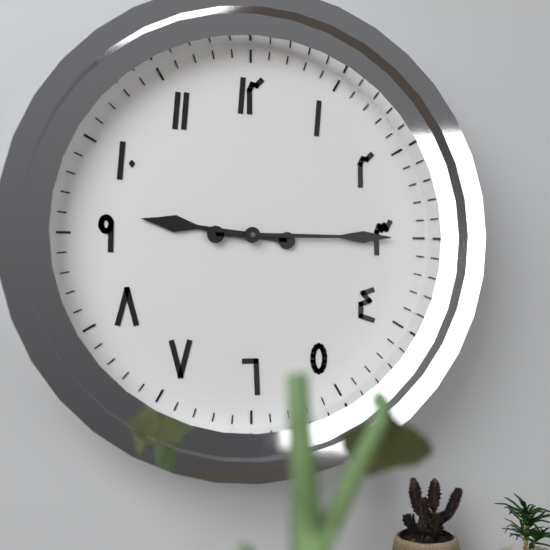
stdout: 9 h 15 min
